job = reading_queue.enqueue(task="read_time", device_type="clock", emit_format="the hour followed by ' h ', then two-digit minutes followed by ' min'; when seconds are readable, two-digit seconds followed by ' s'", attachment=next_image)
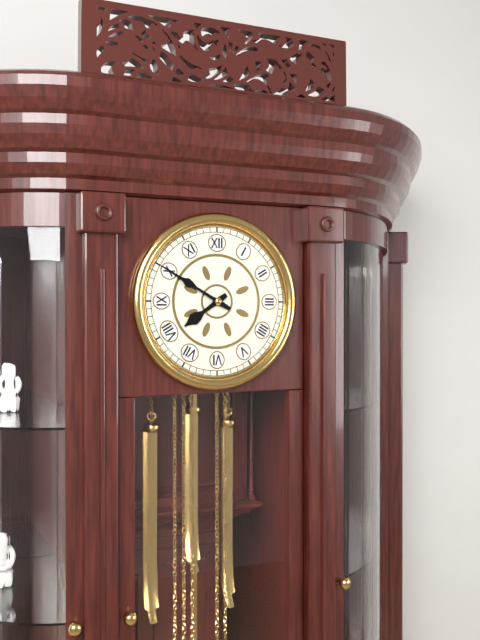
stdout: 7 h 50 min
